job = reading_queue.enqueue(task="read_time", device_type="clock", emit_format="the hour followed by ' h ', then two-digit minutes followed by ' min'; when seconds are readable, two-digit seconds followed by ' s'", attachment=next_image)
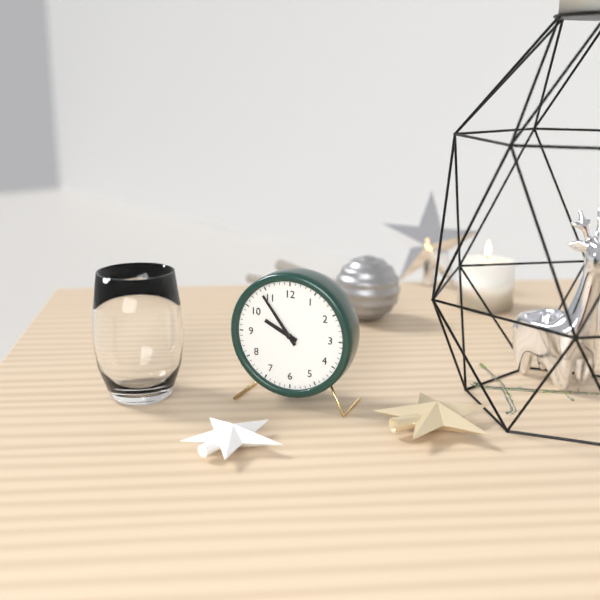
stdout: 9 h 54 min
